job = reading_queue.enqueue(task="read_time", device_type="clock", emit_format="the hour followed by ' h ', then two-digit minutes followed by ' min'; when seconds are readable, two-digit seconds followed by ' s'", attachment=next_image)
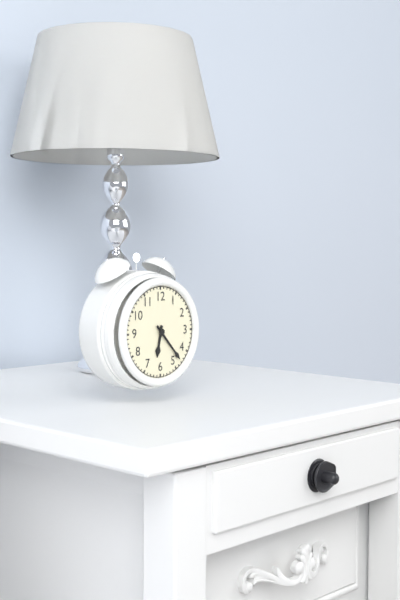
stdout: 6 h 23 min
